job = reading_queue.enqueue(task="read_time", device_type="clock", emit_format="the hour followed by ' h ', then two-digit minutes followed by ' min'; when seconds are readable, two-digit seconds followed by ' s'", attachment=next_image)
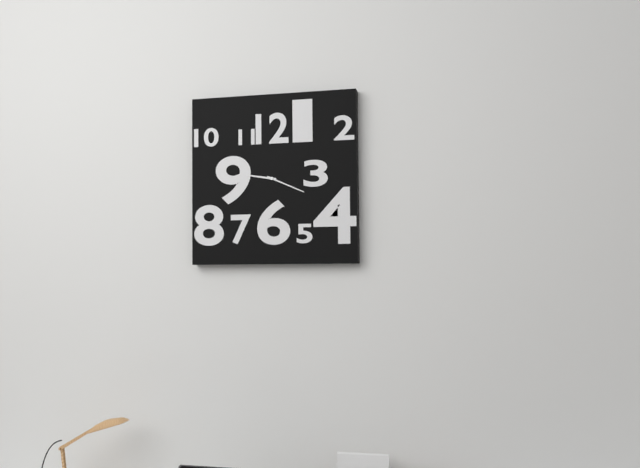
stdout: 9 h 19 min
